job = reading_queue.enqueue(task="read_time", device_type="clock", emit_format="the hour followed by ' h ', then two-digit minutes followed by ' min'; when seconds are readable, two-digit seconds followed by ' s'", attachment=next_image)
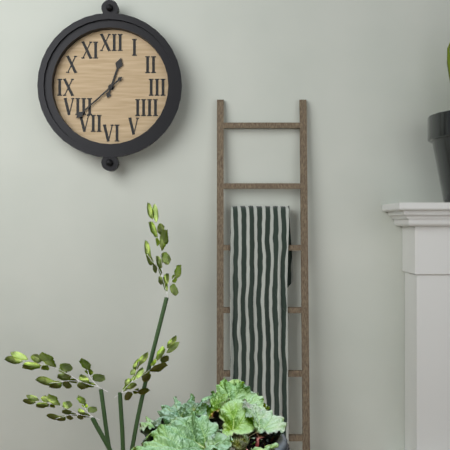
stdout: 12 h 38 min
